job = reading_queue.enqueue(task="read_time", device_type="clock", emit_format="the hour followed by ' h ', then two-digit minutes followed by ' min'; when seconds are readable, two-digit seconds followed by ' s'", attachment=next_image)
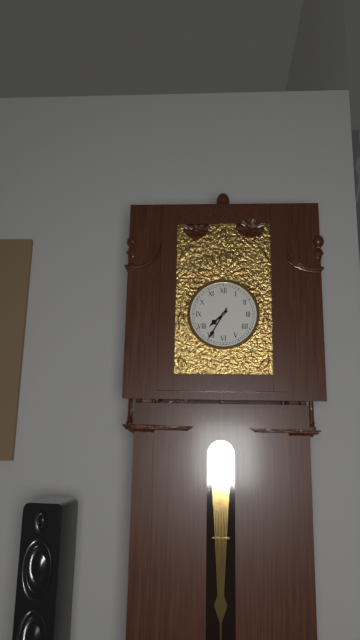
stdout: 7 h 35 min
